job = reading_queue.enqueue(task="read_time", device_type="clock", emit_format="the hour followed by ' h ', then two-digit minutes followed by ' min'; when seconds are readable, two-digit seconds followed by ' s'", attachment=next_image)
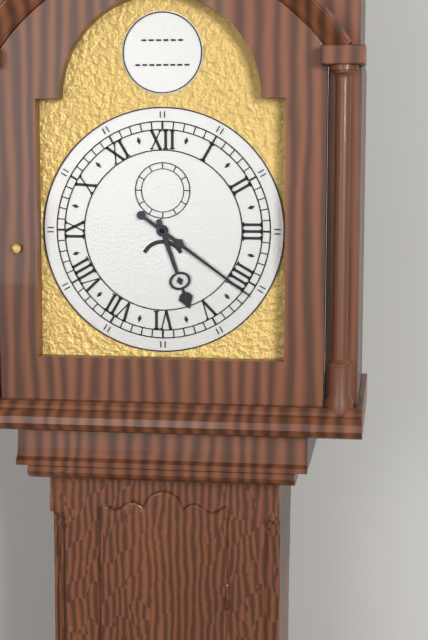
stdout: 5 h 21 min
